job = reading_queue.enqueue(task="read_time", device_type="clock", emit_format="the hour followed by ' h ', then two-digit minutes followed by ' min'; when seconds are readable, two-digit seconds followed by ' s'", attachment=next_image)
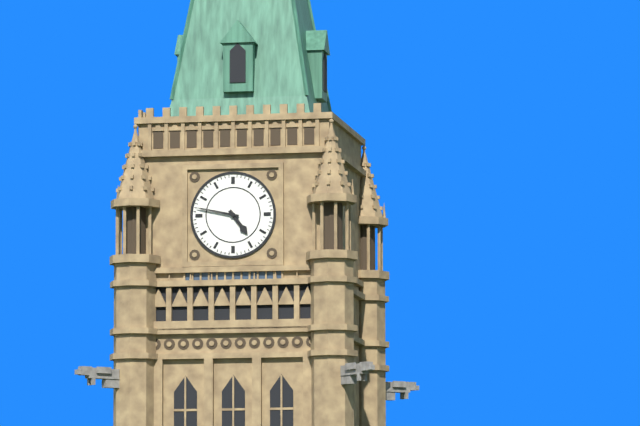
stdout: 4 h 47 min
